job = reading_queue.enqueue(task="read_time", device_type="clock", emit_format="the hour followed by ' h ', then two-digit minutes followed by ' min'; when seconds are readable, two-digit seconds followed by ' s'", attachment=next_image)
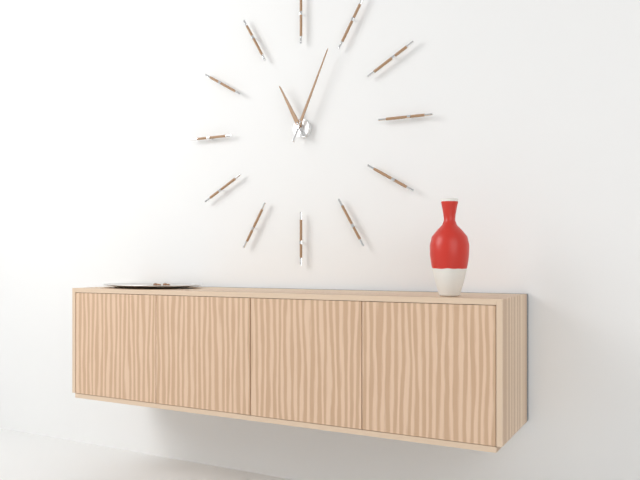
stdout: 11 h 04 min
